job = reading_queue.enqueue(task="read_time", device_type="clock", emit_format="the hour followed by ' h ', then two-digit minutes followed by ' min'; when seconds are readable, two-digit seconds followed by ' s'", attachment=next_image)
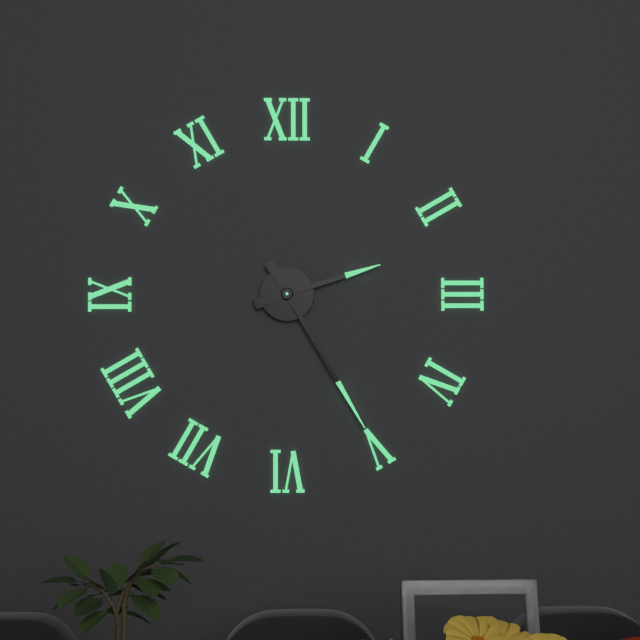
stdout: 2 h 25 min
